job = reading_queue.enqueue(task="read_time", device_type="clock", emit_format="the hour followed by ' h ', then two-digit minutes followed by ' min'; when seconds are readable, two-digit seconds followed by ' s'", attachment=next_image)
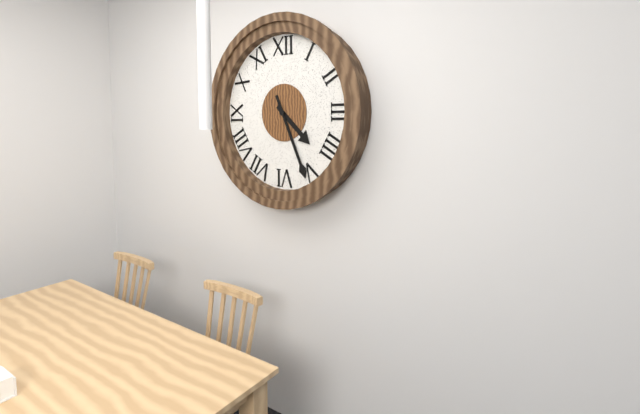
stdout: 4 h 26 min
